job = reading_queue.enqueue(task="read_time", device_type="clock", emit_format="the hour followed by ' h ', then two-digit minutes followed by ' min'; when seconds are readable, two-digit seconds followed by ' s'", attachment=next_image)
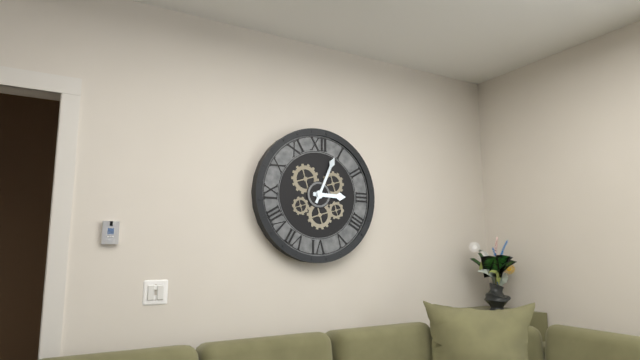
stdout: 3 h 04 min
